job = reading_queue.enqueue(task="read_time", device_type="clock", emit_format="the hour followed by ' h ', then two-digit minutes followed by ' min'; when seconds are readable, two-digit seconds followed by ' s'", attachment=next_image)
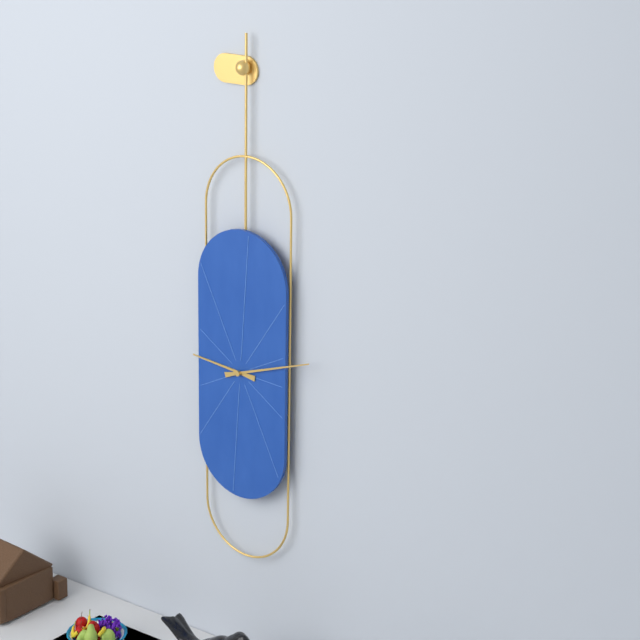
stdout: 9 h 12 min
